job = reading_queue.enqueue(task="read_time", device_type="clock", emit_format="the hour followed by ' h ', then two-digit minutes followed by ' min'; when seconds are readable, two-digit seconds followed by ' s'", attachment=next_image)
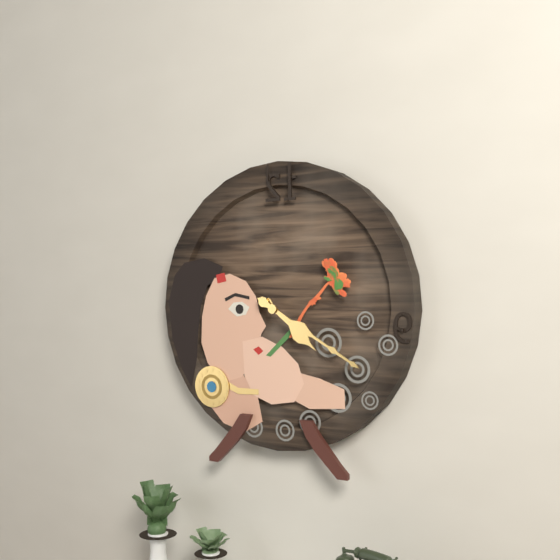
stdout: 4 h 20 min
